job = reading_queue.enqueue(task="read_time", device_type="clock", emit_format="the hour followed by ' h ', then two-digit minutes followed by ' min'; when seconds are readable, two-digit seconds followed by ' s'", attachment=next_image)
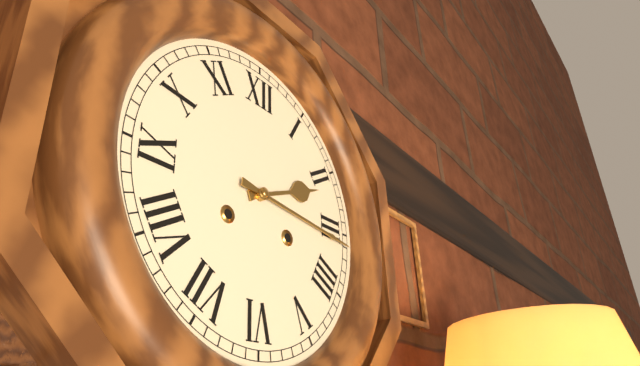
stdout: 2 h 16 min
